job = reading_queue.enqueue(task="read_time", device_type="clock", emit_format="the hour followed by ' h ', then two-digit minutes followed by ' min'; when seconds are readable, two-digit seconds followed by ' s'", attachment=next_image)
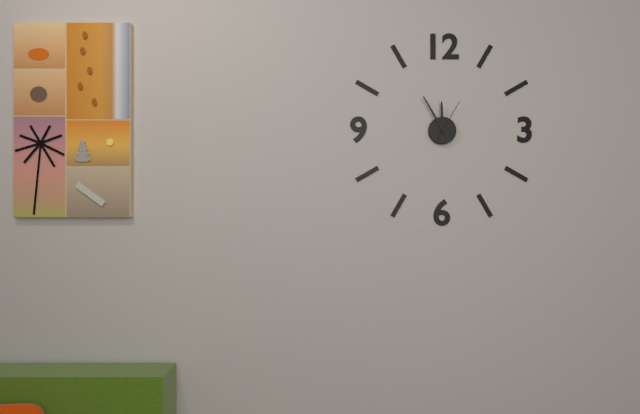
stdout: 11 h 55 min
